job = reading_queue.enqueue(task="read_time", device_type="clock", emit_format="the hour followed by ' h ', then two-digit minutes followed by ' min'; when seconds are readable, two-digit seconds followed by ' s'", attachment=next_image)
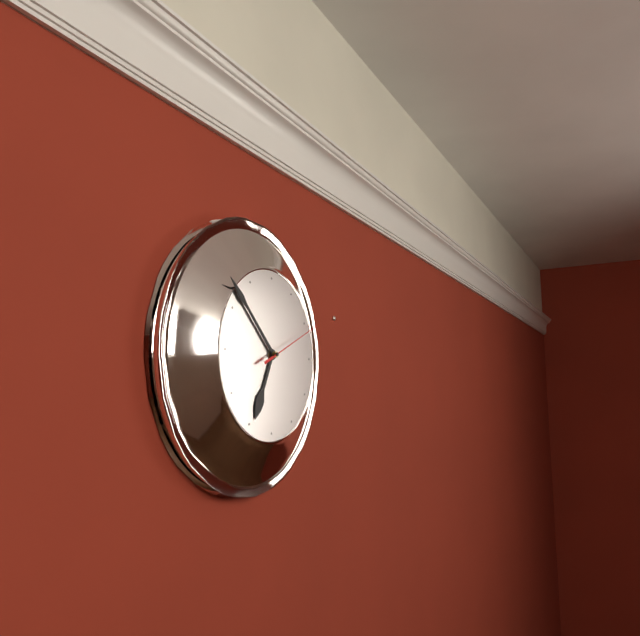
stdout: 6 h 52 min 11 s
